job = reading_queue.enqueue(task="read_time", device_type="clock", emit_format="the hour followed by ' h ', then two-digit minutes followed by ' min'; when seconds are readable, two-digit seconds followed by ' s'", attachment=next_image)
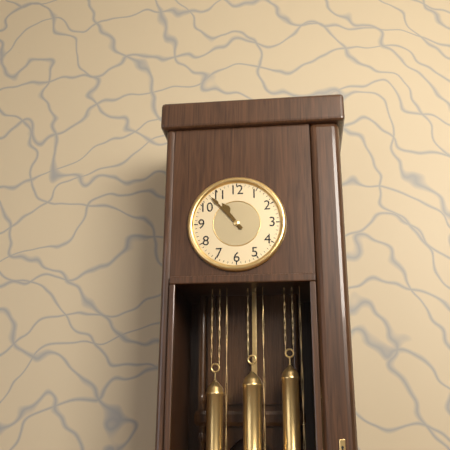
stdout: 10 h 53 min
